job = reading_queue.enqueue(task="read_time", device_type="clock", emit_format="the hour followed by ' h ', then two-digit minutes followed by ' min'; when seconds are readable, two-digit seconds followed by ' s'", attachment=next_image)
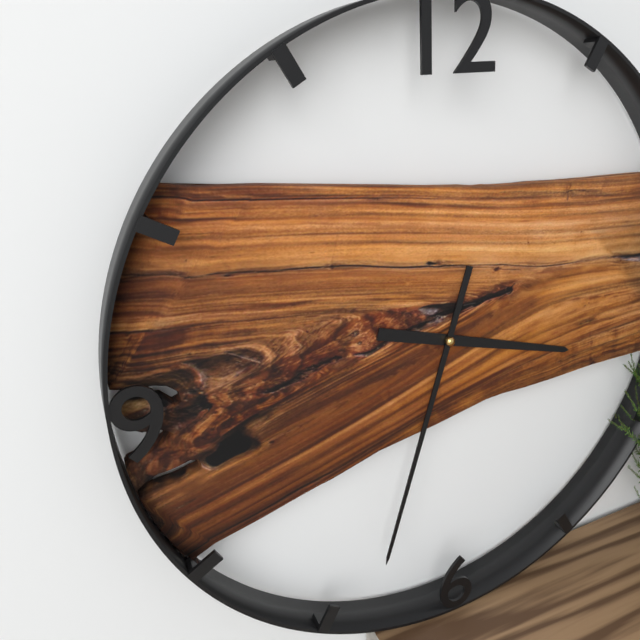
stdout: 3 h 33 min
